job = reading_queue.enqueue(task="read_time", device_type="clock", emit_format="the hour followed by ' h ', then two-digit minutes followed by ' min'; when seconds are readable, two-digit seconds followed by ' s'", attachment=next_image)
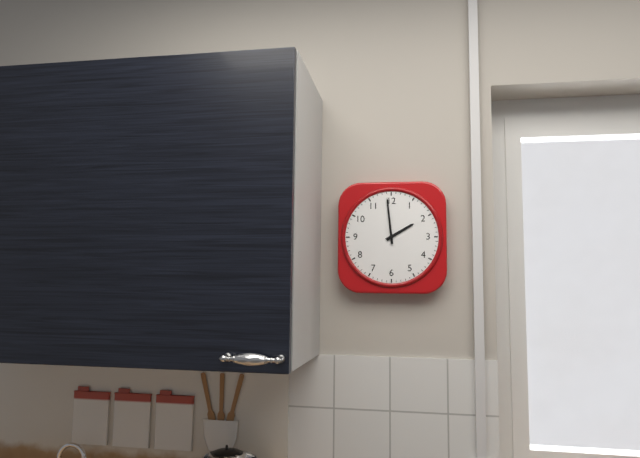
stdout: 1 h 59 min
